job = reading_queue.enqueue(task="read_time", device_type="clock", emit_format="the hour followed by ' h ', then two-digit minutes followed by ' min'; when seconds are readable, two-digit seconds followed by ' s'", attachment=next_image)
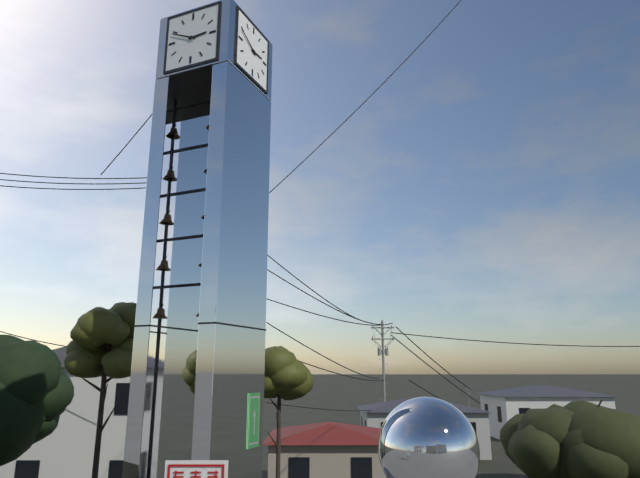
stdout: 2 h 49 min
